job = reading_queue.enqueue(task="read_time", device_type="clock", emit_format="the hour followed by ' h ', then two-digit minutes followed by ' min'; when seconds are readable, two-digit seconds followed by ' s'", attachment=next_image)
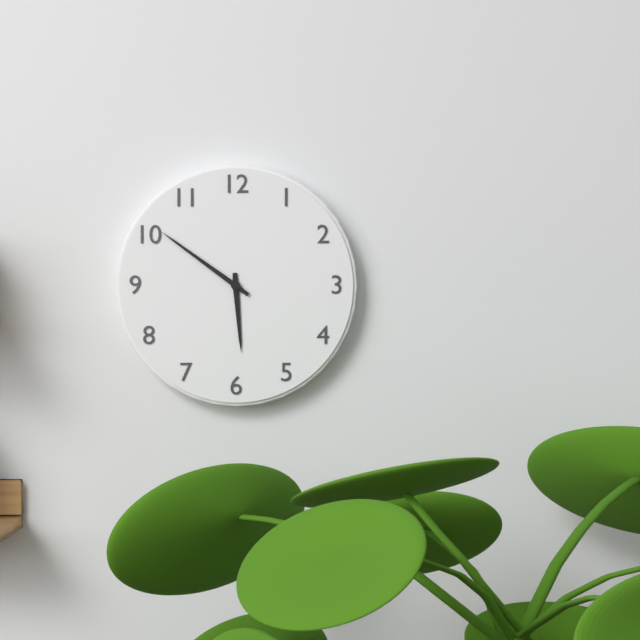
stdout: 5 h 51 min
